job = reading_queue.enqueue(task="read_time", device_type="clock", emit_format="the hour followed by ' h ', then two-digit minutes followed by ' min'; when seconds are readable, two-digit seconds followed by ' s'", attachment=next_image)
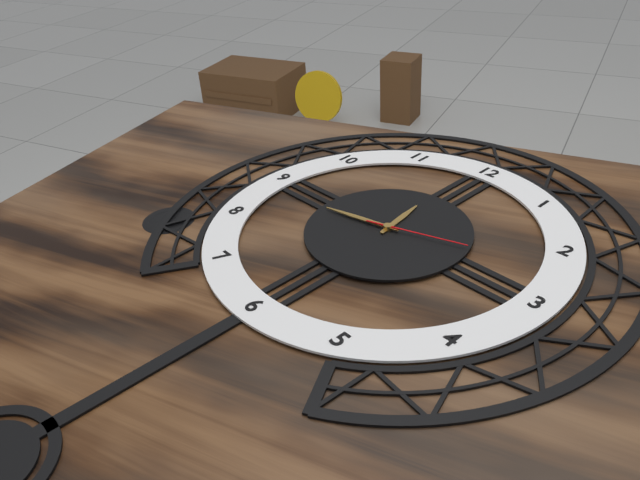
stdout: 11 h 43 min 12 s
